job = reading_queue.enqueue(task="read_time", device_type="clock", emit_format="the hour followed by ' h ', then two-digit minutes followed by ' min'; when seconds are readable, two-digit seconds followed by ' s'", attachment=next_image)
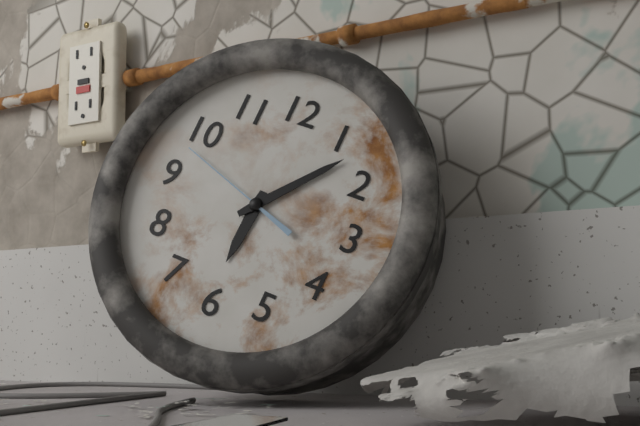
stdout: 6 h 07 min 48 s
